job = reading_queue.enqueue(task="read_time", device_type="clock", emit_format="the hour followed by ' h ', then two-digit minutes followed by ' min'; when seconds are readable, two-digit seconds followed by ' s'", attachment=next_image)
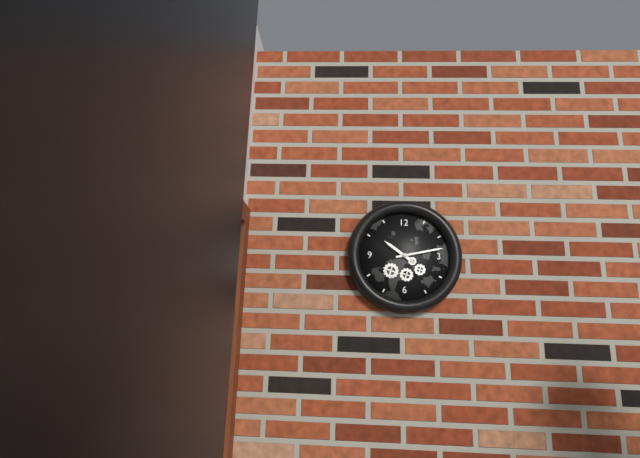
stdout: 10 h 13 min
